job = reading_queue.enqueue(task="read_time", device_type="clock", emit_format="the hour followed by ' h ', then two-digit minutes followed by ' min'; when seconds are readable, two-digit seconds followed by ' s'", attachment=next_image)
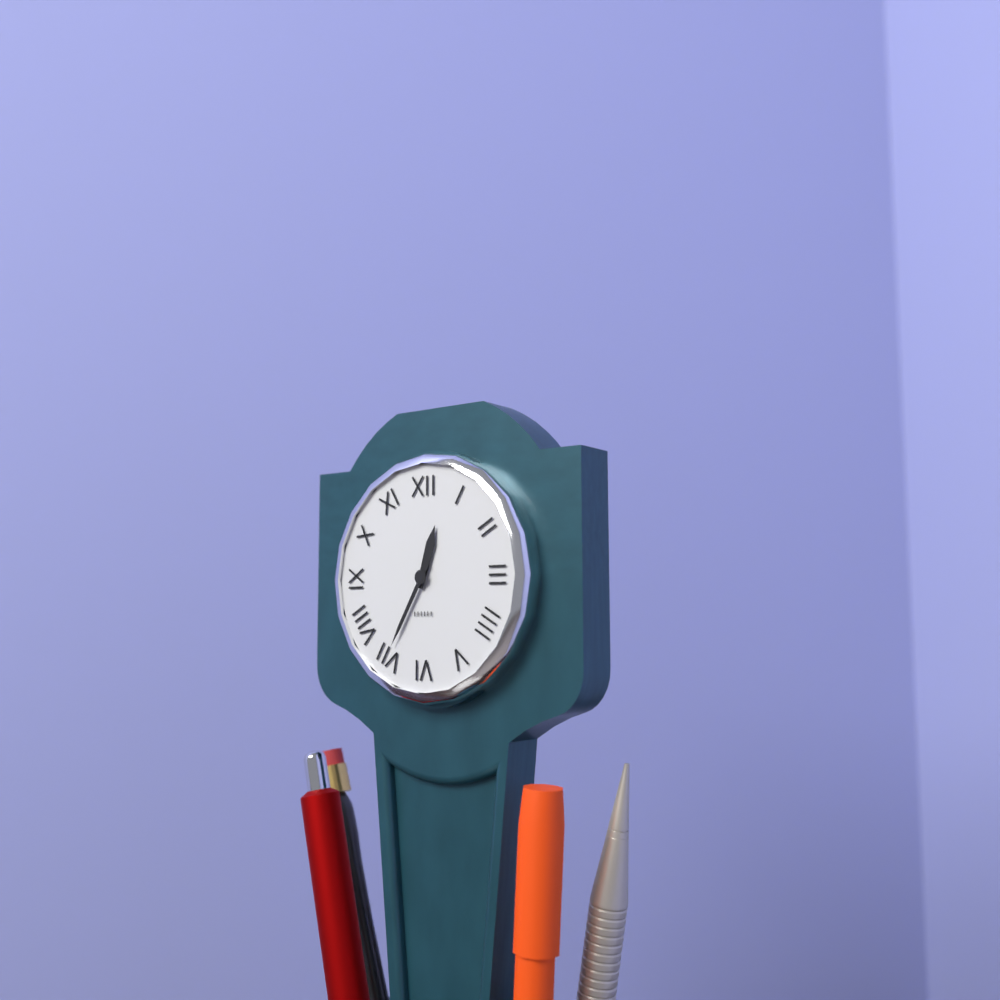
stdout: 12 h 35 min
